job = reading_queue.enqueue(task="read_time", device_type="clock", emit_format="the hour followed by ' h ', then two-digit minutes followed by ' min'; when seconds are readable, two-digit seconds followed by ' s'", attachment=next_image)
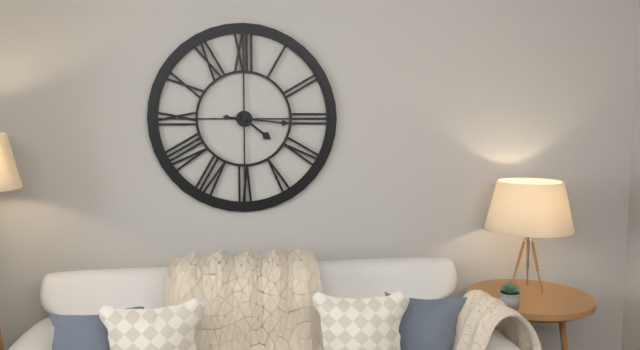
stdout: 4 h 16 min
